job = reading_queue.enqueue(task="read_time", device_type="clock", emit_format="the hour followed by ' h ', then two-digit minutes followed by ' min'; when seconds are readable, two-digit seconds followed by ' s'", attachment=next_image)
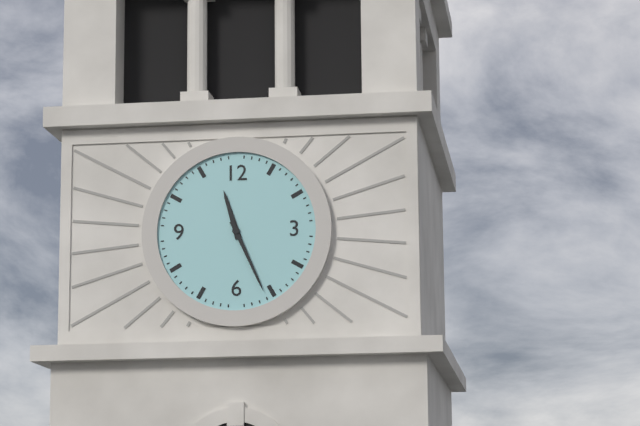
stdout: 11 h 26 min
